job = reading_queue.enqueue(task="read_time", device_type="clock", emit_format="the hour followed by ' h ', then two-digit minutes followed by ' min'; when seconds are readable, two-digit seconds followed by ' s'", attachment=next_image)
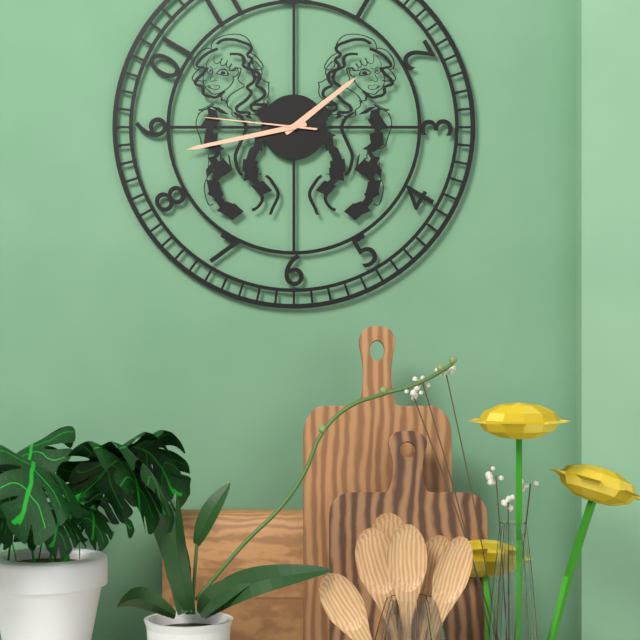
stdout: 1 h 43 min 46 s
